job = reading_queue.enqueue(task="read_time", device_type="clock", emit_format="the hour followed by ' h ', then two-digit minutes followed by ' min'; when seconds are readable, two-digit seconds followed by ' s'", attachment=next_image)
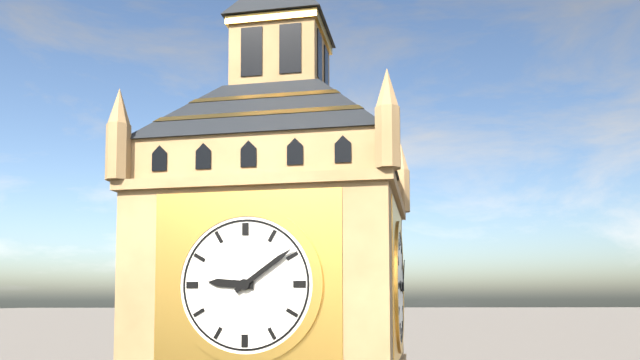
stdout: 9 h 09 min
